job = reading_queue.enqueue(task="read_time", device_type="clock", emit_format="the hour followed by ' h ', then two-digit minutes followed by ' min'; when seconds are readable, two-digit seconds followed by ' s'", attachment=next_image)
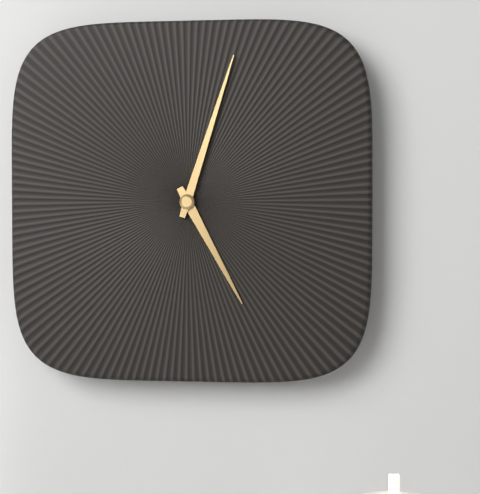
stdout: 5 h 03 min
